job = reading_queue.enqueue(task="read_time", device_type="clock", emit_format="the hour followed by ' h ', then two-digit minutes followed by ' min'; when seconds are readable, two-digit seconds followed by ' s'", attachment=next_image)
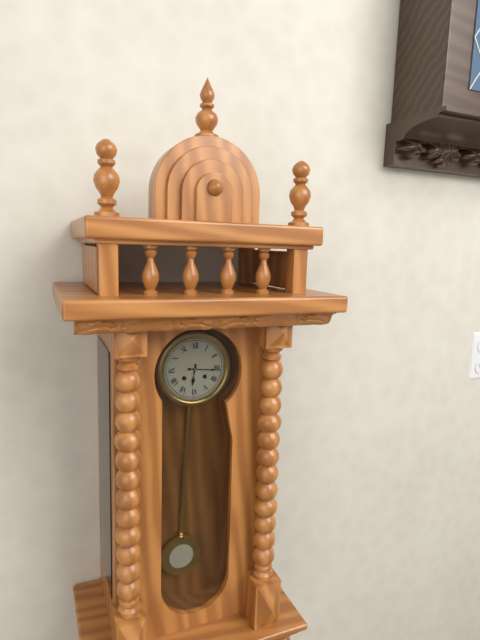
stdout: 6 h 16 min
